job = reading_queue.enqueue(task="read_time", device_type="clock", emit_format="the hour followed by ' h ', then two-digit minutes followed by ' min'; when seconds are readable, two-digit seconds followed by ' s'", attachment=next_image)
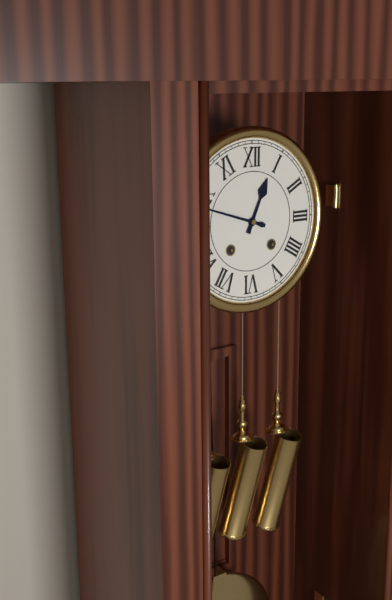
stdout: 12 h 48 min
